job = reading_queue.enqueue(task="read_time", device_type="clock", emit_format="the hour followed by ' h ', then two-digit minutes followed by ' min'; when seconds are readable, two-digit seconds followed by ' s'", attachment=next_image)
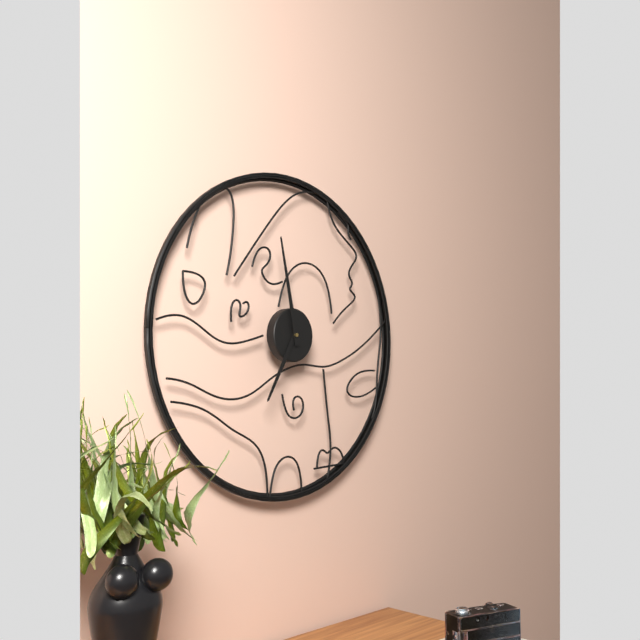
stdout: 6 h 58 min
